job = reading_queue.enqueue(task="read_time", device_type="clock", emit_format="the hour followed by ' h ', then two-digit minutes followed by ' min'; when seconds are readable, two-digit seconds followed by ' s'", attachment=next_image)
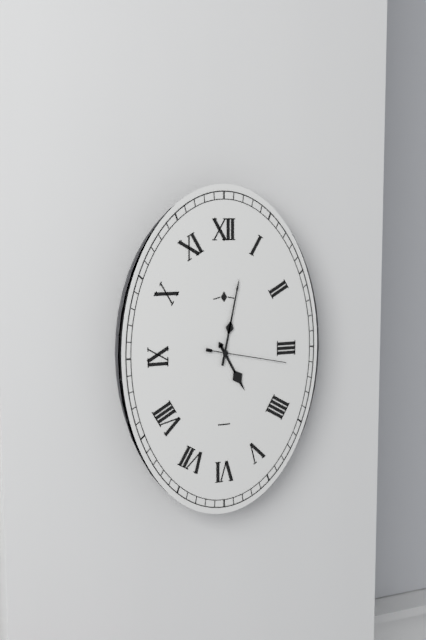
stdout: 5 h 02 min 17 s
